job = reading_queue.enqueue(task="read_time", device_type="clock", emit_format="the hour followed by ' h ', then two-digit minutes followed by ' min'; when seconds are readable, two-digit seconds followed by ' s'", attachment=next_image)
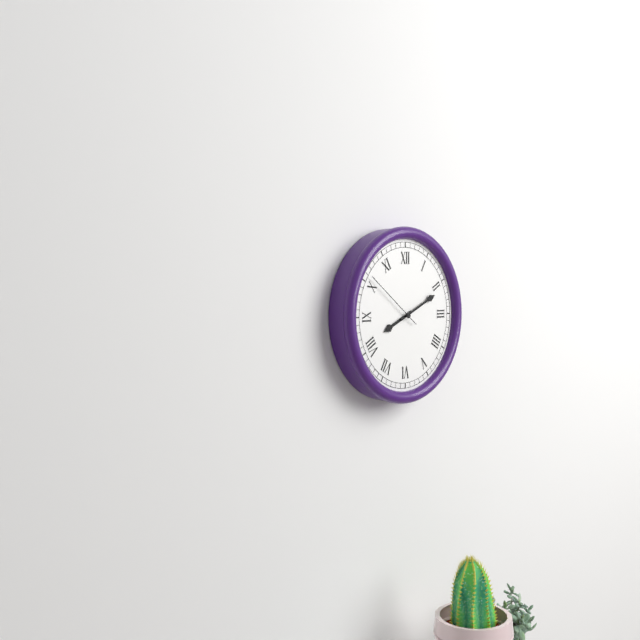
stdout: 8 h 11 min 51 s
